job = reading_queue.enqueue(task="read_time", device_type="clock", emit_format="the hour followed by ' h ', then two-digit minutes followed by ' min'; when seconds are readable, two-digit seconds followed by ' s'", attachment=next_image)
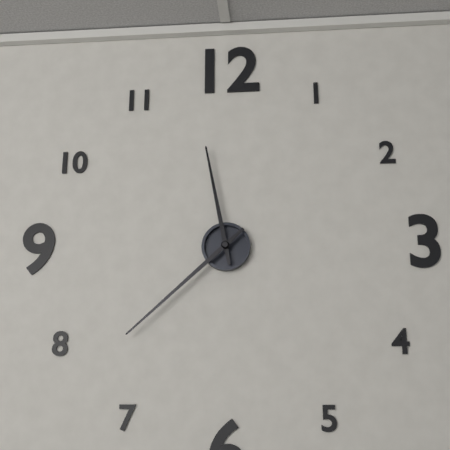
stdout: 11 h 38 min
